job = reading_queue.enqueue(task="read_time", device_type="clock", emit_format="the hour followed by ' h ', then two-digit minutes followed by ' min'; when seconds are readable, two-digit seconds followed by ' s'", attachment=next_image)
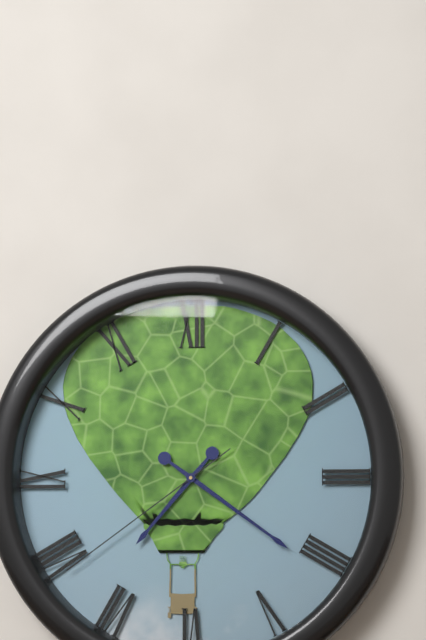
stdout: 7 h 21 min 39 s
